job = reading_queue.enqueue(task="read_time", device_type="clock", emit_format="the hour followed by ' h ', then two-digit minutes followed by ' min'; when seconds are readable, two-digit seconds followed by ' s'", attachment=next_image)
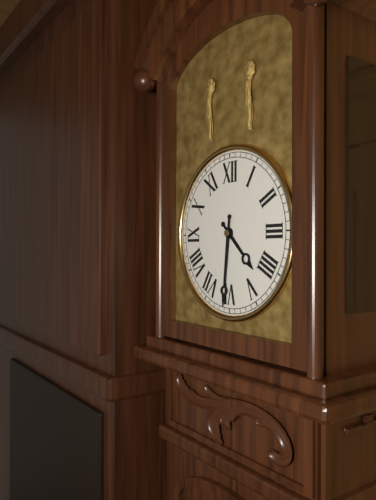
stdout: 4 h 31 min
